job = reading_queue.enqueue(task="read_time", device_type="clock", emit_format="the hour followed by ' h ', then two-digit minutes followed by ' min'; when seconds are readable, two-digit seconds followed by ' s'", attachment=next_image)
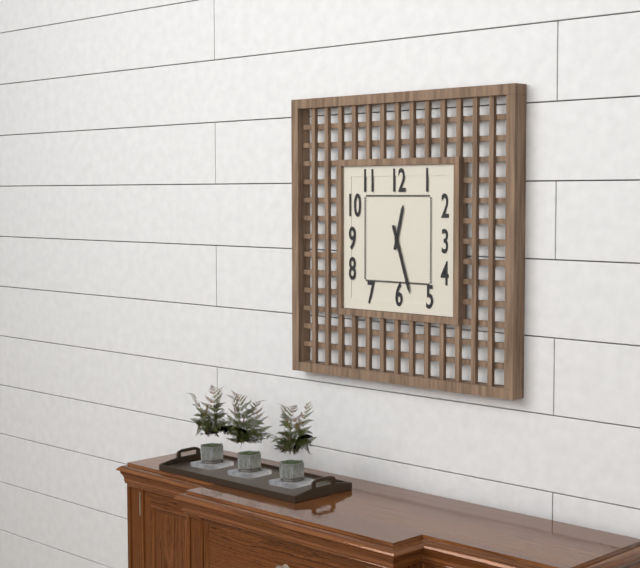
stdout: 12 h 27 min
